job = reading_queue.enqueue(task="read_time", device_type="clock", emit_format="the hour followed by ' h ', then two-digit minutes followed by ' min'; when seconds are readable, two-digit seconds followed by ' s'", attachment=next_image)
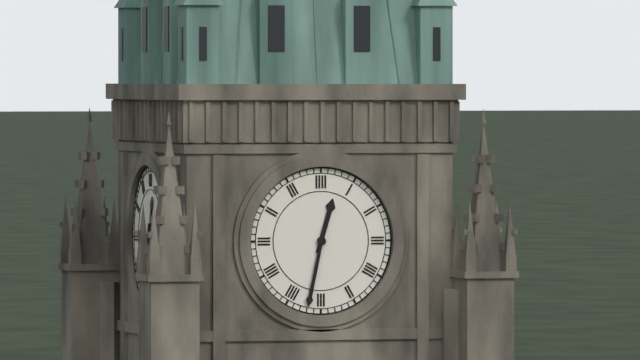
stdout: 12 h 32 min
